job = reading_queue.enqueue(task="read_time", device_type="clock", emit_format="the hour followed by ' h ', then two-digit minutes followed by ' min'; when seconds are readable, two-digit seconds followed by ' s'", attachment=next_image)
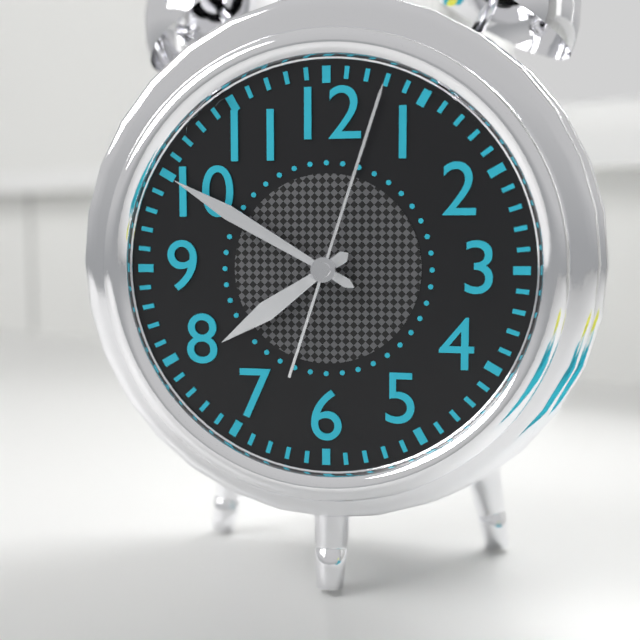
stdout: 7 h 50 min 03 s
